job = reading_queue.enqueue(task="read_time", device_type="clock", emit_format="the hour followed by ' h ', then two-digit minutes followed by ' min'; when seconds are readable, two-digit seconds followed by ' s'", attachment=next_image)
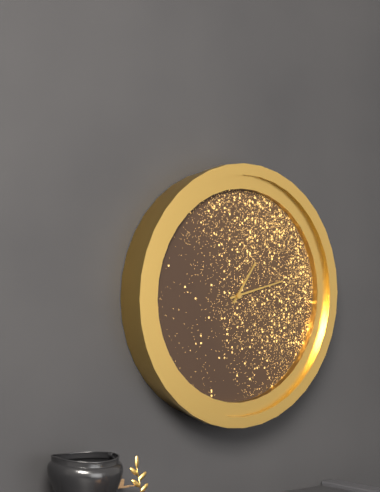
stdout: 1 h 13 min
